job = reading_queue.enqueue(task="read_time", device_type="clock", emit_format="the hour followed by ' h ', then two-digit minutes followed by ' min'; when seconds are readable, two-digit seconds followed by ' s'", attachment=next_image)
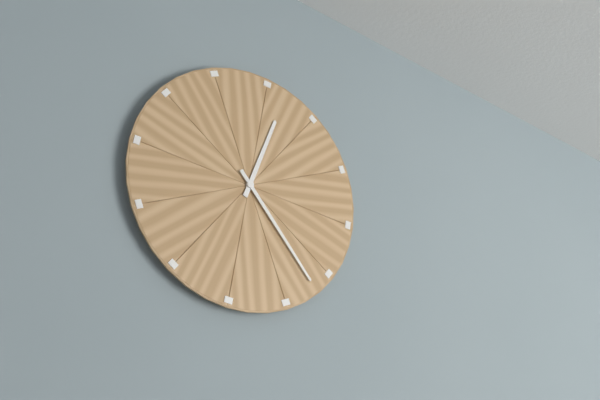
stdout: 12 h 22 min
